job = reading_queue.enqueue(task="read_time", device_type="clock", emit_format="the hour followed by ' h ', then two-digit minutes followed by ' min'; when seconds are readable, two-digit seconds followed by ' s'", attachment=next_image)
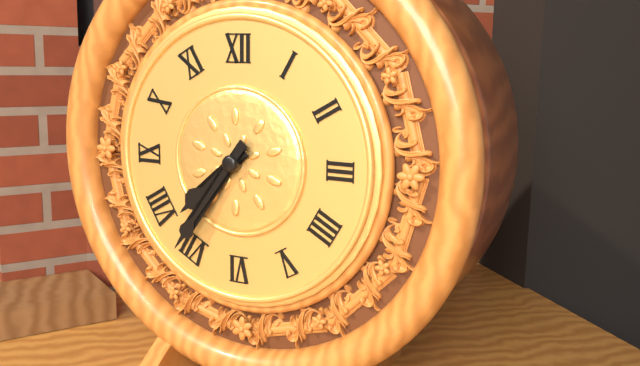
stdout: 7 h 36 min
